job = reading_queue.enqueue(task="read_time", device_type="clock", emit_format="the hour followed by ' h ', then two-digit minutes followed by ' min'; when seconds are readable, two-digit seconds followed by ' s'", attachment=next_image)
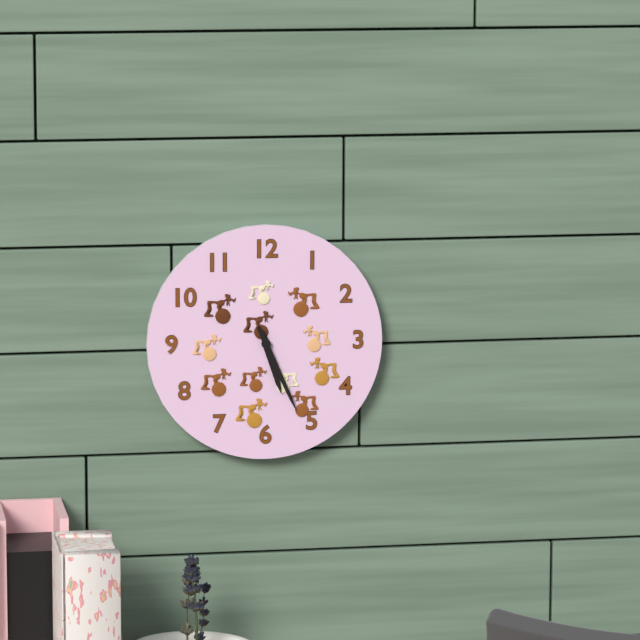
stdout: 5 h 26 min
